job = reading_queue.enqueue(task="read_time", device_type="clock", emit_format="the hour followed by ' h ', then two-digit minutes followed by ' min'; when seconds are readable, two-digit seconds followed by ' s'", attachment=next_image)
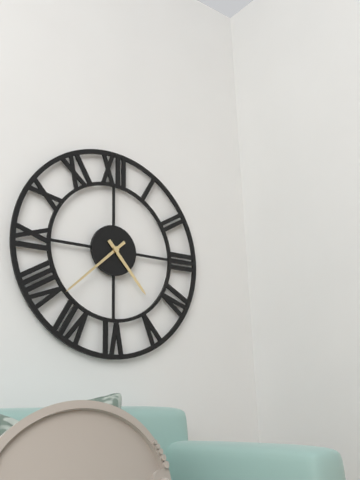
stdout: 4 h 38 min
